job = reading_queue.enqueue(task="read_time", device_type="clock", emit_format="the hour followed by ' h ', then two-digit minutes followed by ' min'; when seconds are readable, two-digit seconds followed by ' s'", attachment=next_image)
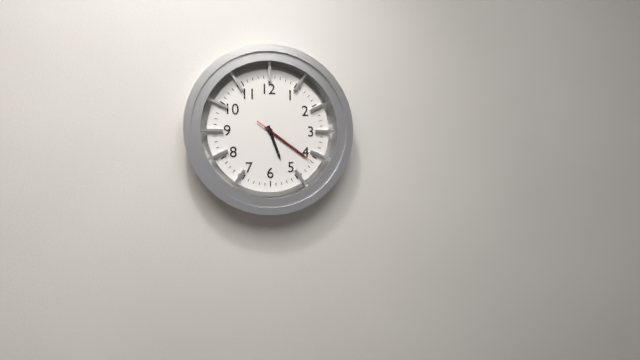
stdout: 5 h 21 min 21 s
